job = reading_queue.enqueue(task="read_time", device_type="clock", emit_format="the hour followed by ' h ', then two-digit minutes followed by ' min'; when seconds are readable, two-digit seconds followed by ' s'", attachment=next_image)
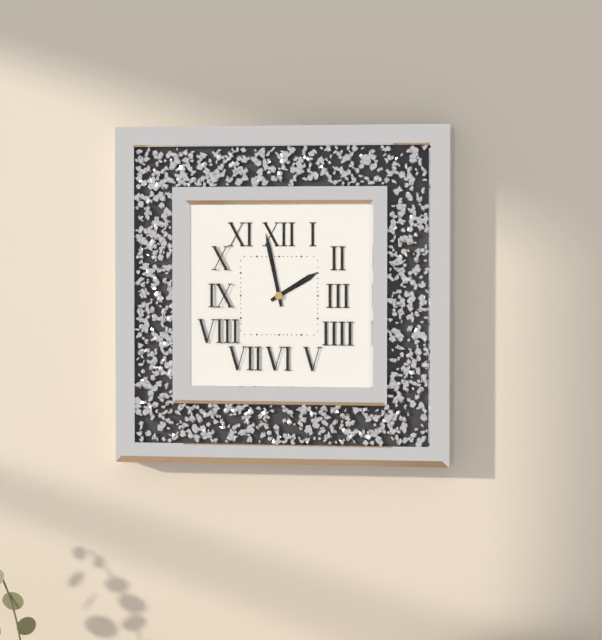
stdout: 1 h 58 min
